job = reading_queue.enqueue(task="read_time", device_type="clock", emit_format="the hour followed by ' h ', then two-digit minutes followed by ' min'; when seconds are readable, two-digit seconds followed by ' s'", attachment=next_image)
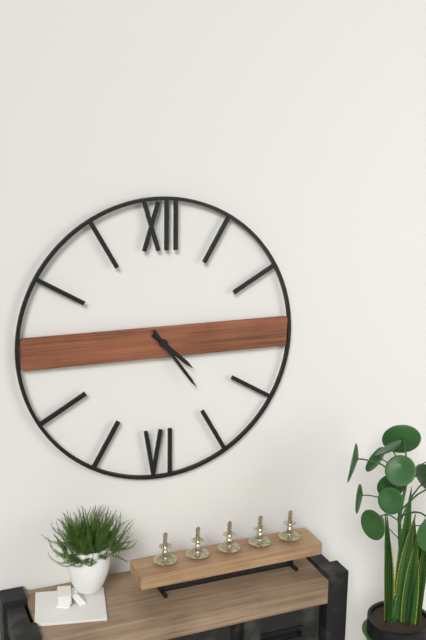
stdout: 4 h 24 min
